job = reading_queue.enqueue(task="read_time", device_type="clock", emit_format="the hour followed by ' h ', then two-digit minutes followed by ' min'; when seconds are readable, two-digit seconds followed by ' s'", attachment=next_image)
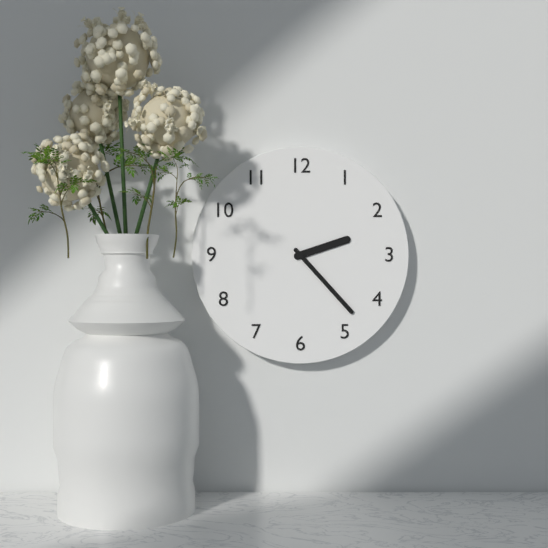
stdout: 2 h 23 min
